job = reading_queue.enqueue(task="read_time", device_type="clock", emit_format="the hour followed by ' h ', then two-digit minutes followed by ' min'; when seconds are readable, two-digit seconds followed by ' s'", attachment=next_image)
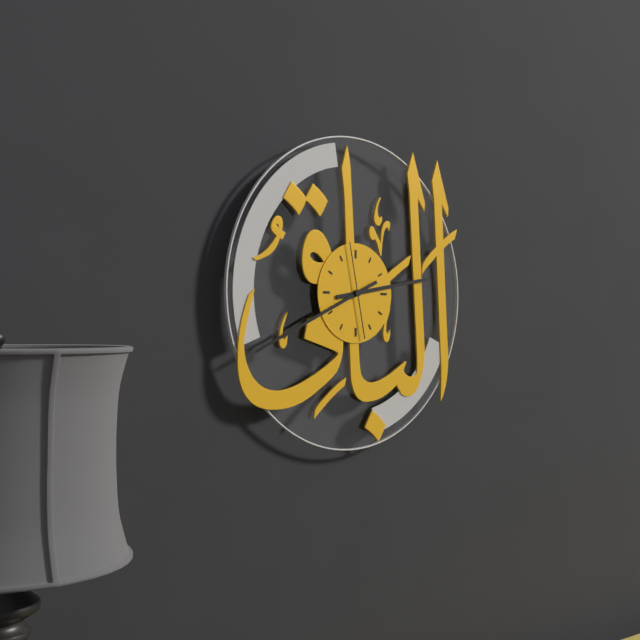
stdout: 2 h 41 min 58 s
